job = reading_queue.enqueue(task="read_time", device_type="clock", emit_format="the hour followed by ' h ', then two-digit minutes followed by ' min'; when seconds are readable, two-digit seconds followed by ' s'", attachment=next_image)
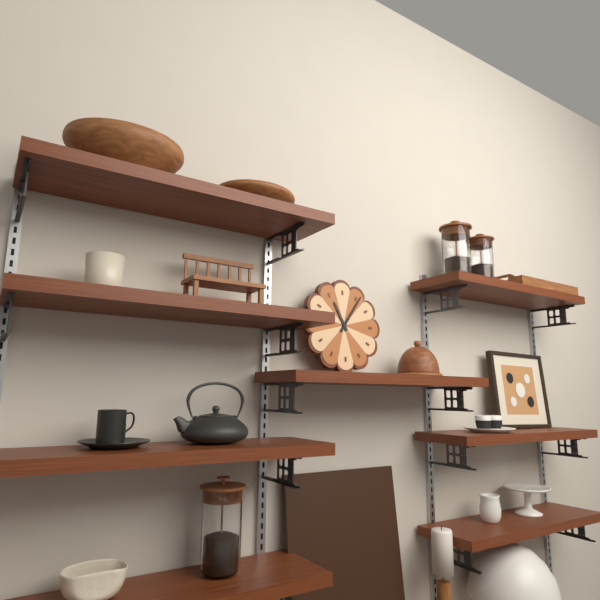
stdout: 11 h 06 min
